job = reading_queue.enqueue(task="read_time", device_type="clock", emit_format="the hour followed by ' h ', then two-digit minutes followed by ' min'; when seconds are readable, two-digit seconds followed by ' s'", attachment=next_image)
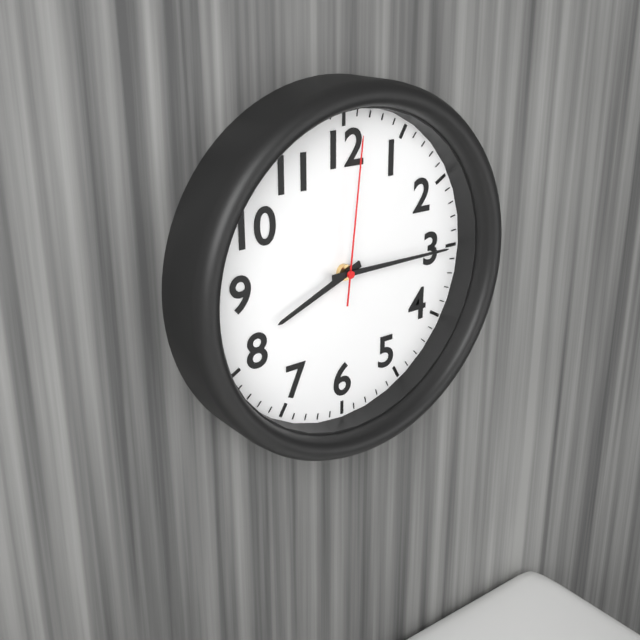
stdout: 8 h 15 min 01 s
